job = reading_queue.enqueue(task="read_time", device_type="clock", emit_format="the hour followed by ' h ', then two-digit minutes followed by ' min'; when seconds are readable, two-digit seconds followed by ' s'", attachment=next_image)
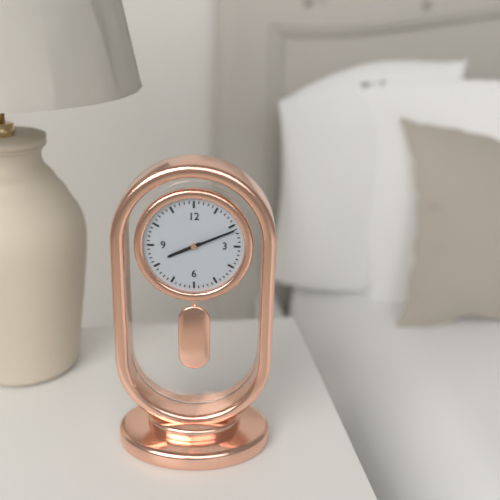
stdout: 8 h 11 min
